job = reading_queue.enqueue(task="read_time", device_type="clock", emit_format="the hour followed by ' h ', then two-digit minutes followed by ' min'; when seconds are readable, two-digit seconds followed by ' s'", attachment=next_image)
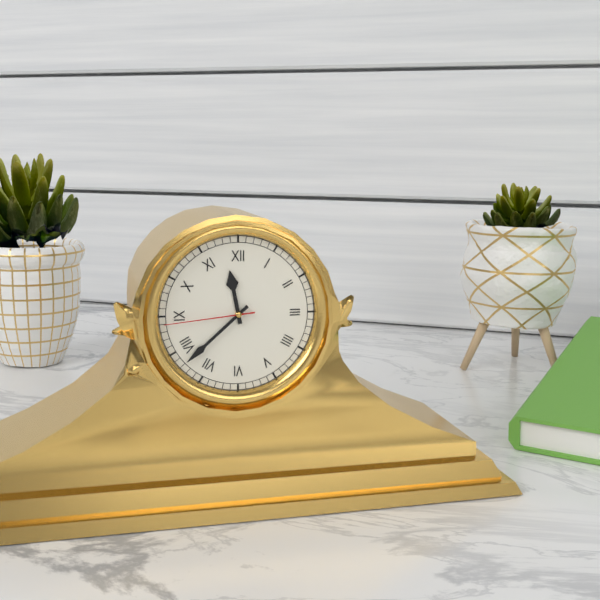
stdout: 11 h 38 min 44 s
